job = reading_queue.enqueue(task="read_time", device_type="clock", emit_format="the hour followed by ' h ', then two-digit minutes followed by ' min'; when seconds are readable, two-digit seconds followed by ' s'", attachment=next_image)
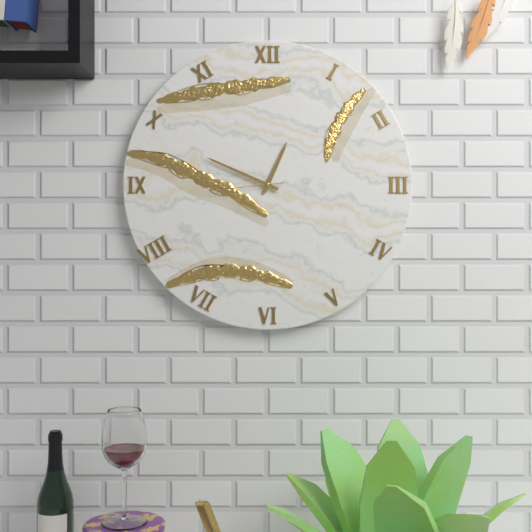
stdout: 12 h 49 min 44 s
